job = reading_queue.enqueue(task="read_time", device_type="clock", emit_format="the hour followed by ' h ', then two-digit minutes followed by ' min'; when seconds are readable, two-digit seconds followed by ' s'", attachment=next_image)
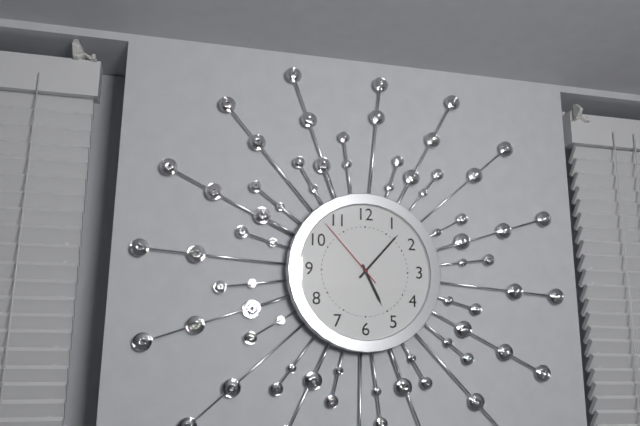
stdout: 5 h 07 min 53 s
